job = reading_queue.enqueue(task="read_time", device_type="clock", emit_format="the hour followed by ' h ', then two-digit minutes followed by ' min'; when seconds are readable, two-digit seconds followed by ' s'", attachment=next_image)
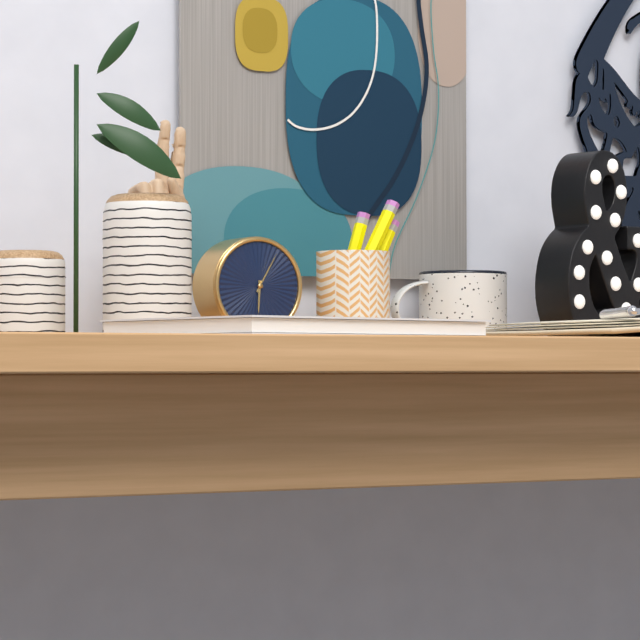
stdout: 6 h 05 min
